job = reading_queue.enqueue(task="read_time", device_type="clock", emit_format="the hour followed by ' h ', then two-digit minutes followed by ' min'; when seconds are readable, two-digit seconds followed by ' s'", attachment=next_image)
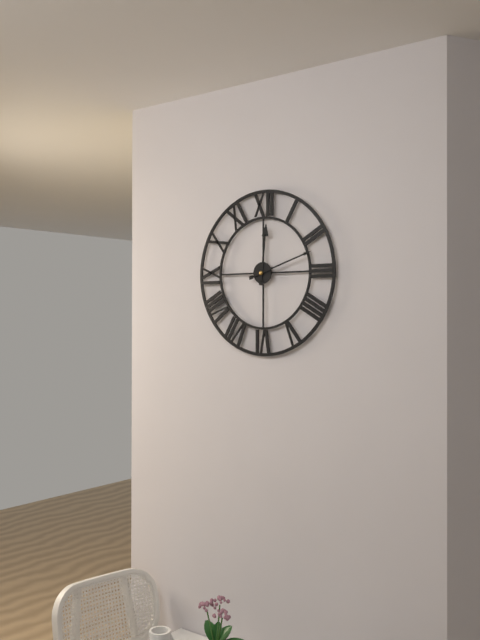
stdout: 12 h 12 min
